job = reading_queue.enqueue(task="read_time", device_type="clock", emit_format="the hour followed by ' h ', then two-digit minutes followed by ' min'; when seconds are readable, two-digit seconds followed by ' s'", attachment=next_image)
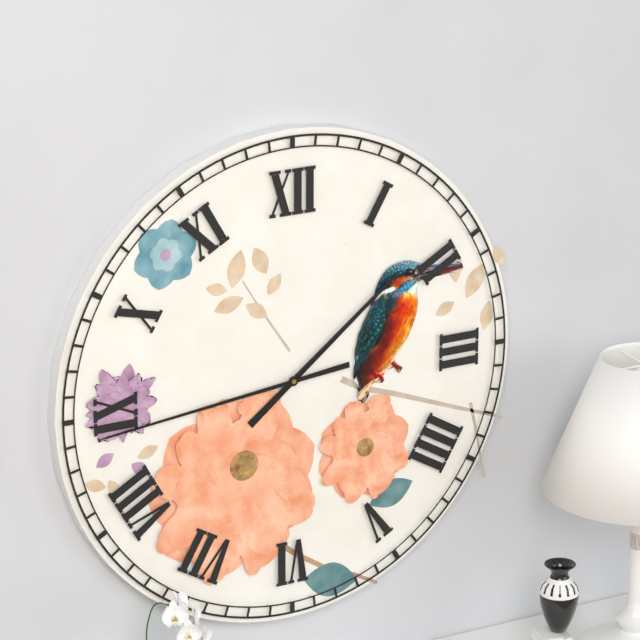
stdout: 1 h 44 min
